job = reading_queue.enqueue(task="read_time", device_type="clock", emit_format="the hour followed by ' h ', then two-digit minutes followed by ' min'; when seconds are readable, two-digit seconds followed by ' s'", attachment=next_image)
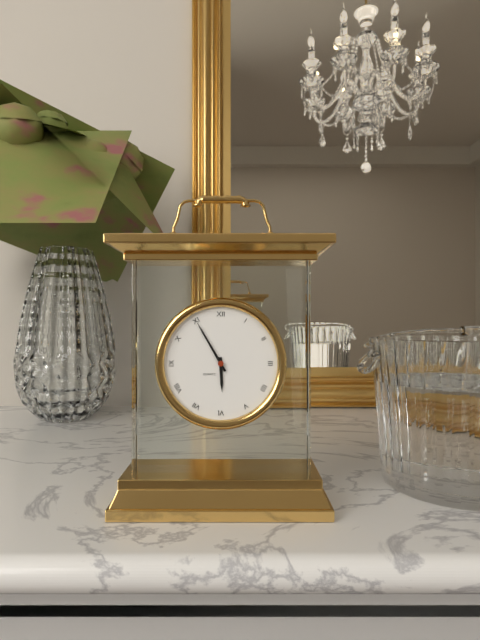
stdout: 5 h 55 min
